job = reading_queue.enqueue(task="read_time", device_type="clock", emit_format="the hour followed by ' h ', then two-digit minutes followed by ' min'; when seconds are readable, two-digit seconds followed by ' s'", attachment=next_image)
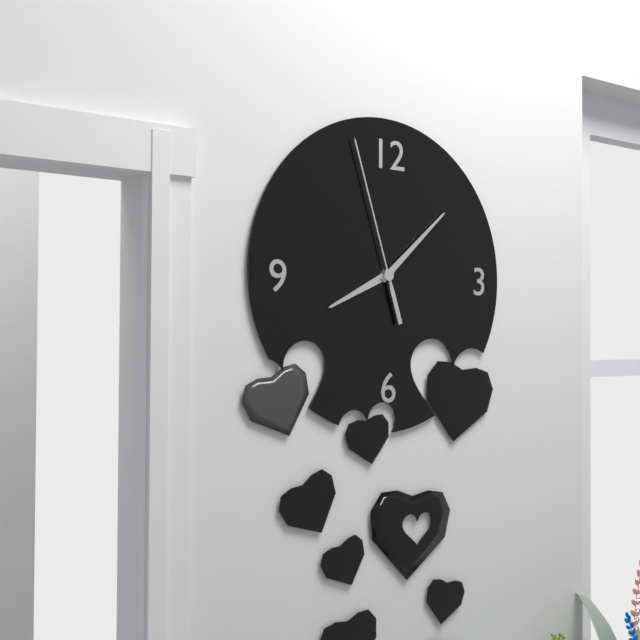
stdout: 8 h 08 min 57 s
